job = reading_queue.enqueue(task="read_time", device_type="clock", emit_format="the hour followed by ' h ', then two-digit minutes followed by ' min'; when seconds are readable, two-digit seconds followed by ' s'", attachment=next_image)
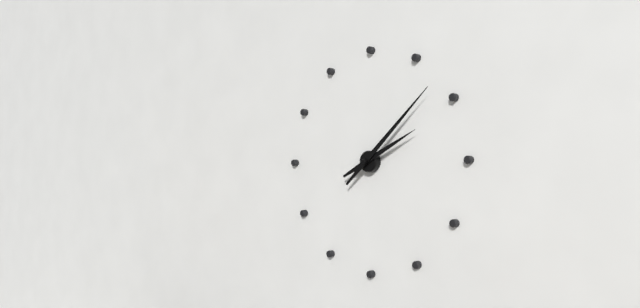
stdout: 2 h 08 min
